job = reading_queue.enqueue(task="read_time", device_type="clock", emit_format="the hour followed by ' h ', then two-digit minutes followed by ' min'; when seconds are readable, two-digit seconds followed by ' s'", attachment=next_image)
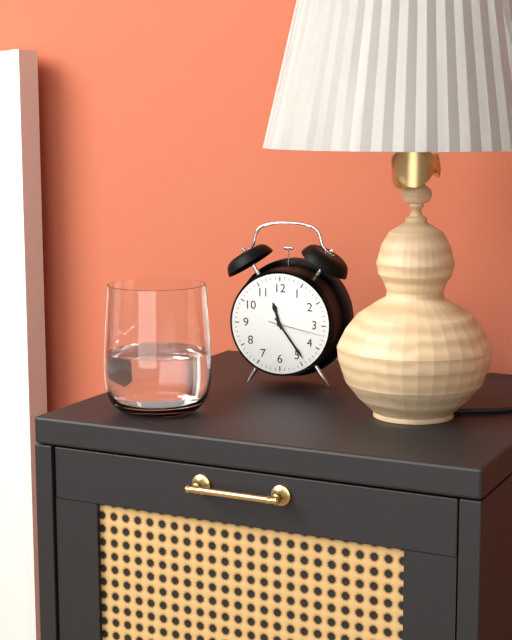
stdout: 11 h 24 min 17 s
